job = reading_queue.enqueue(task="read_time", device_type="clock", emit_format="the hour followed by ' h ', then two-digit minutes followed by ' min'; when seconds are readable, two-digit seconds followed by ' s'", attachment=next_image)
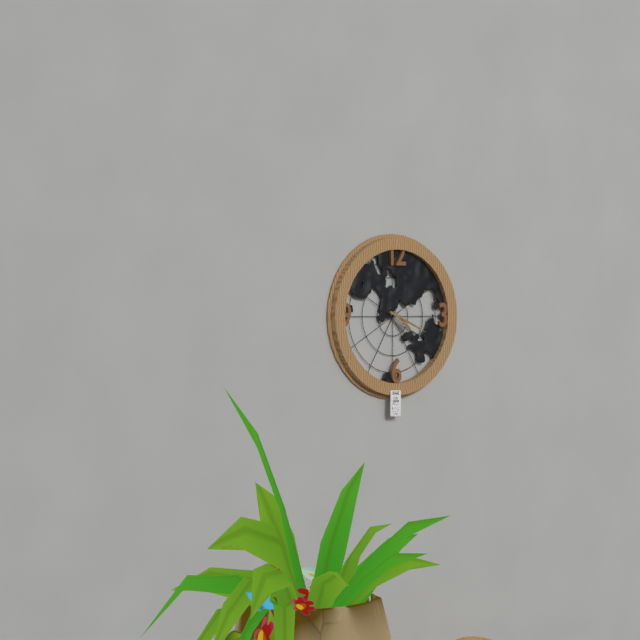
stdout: 4 h 19 min
